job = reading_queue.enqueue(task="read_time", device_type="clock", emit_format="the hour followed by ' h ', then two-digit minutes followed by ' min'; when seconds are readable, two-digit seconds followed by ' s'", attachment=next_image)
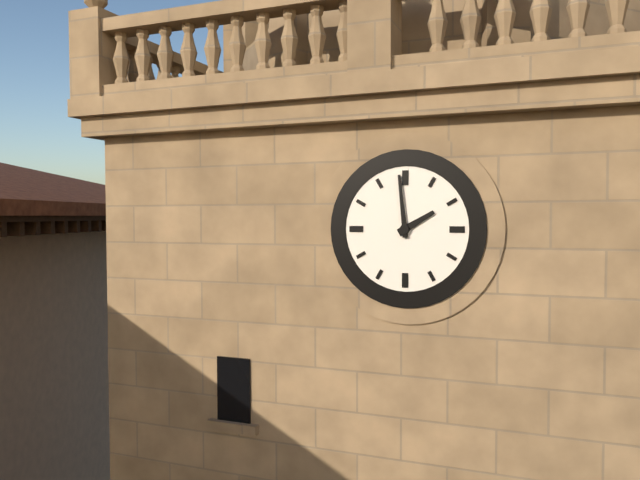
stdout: 1 h 59 min
